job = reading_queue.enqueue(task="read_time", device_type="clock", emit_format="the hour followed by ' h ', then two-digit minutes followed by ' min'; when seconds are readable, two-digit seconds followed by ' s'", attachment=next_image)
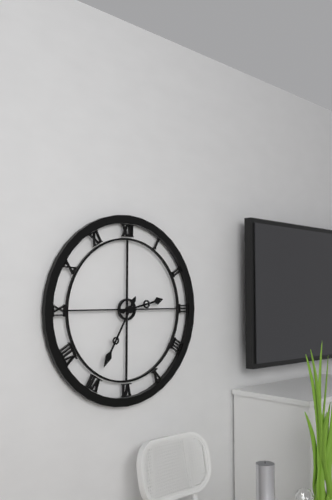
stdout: 2 h 35 min
